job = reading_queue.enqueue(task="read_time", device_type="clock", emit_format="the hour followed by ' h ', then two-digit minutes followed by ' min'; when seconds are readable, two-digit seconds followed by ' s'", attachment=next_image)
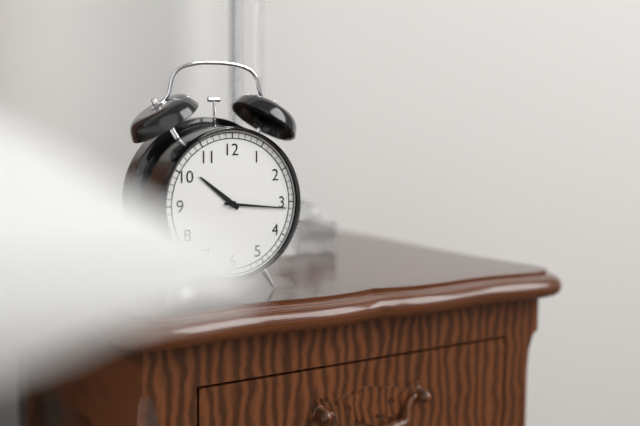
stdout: 10 h 16 min
